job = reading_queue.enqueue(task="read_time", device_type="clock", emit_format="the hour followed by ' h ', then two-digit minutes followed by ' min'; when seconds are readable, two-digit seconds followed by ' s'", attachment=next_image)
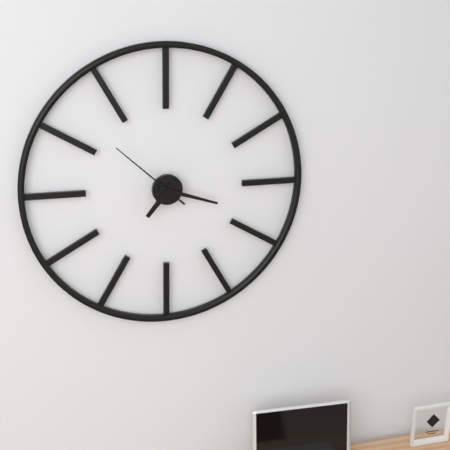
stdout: 7 h 18 min 52 s
